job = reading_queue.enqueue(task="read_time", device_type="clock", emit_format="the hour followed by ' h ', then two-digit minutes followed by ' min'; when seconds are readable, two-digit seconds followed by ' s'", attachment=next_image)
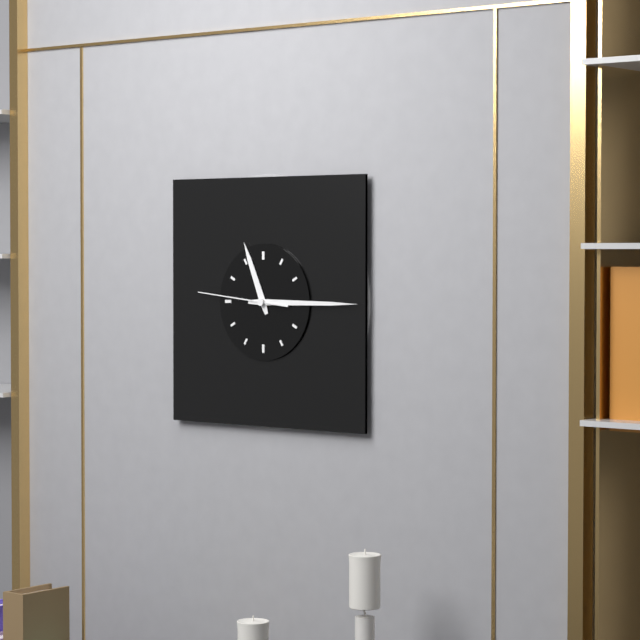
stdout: 11 h 15 min 46 s
